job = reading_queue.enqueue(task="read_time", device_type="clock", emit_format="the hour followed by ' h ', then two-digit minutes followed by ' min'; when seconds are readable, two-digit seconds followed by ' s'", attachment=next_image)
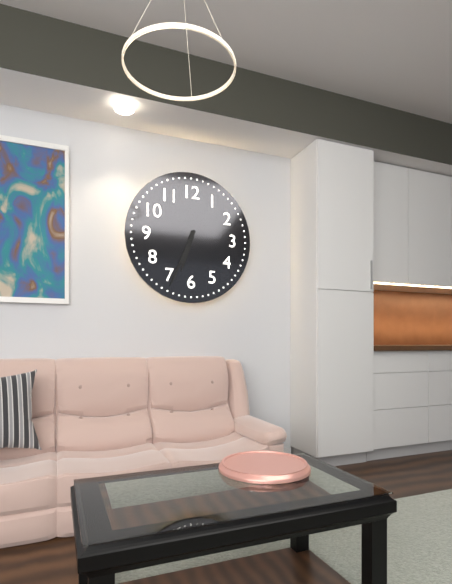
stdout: 6 h 34 min
